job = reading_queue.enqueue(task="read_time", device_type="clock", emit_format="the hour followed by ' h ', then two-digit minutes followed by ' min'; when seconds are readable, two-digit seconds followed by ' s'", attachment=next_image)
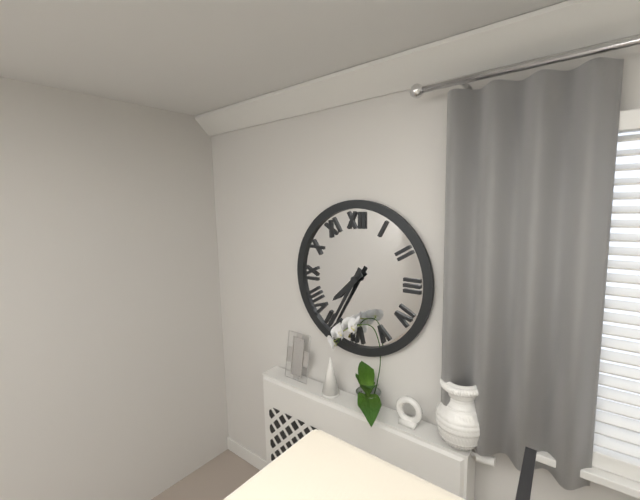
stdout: 7 h 35 min
